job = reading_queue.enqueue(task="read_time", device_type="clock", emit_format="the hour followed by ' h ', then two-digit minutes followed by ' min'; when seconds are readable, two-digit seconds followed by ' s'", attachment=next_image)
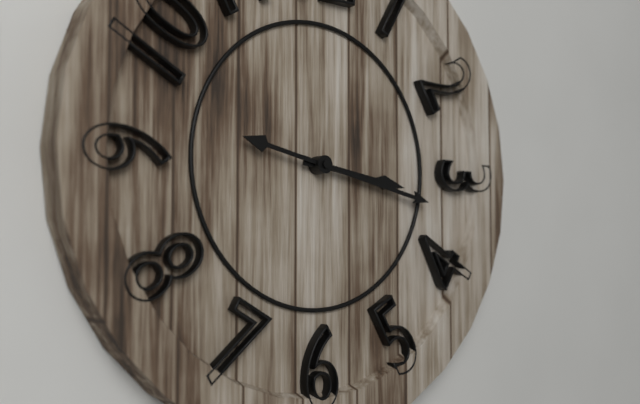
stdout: 3 h 17 min
